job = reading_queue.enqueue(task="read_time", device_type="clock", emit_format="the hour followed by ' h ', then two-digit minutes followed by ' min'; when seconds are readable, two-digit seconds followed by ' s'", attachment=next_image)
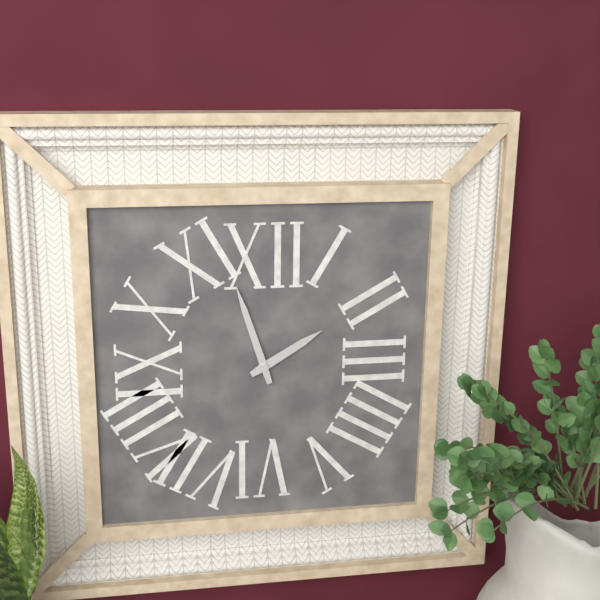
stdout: 1 h 57 min
